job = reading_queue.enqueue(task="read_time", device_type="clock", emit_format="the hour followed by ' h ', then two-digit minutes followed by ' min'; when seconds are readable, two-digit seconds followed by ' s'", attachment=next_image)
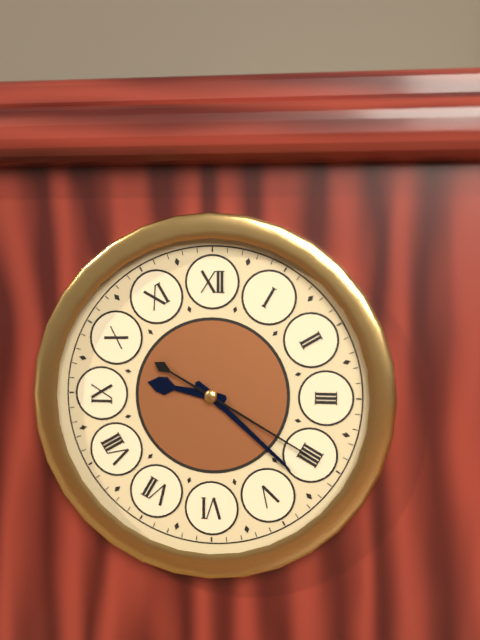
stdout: 9 h 22 min 20 s
